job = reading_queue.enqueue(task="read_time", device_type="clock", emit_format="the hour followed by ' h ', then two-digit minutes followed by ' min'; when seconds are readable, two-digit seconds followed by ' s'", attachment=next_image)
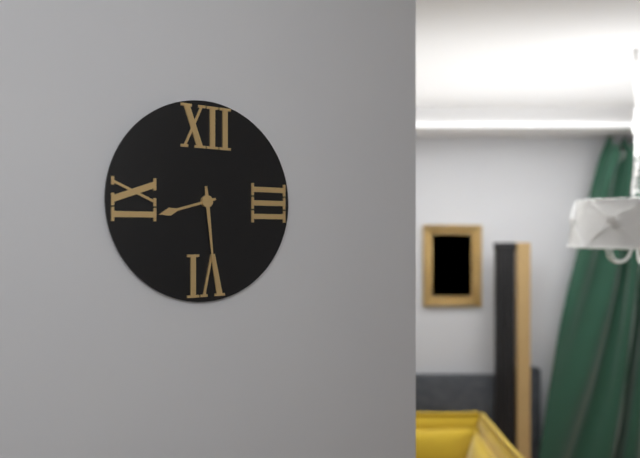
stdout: 8 h 29 min
